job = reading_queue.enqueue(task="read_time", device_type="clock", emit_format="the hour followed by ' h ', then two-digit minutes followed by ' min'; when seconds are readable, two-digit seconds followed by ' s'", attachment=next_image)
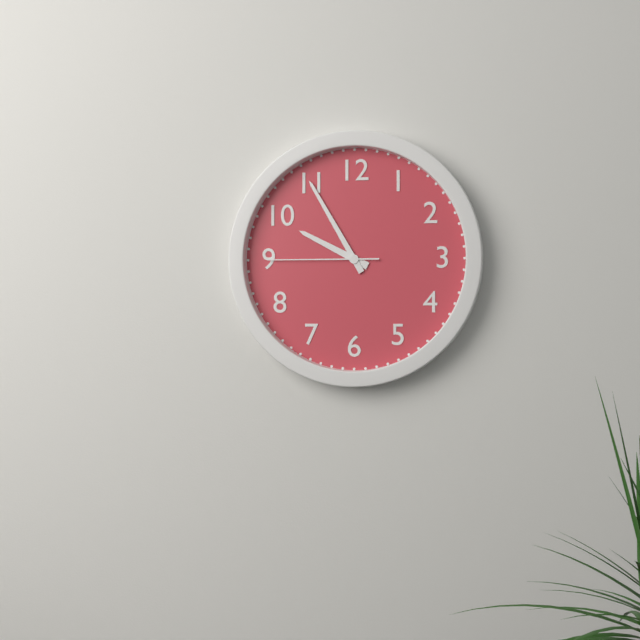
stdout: 9 h 55 min 45 s
